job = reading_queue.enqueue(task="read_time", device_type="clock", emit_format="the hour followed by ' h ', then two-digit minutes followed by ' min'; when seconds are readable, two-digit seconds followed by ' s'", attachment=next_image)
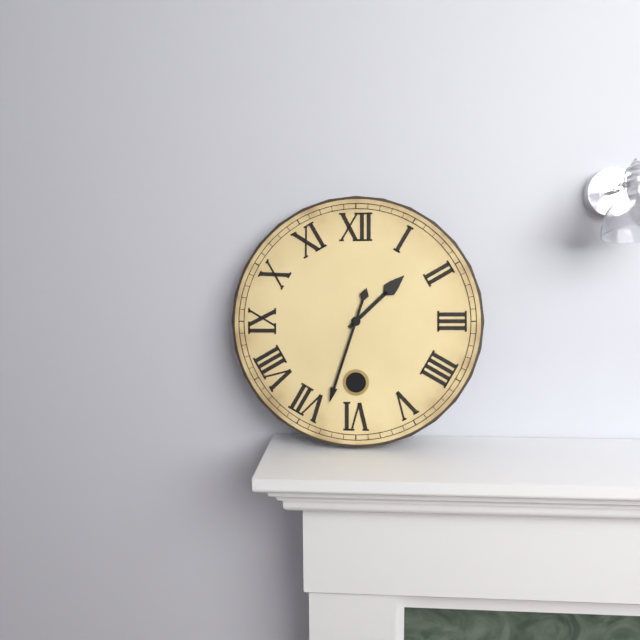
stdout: 1 h 33 min
